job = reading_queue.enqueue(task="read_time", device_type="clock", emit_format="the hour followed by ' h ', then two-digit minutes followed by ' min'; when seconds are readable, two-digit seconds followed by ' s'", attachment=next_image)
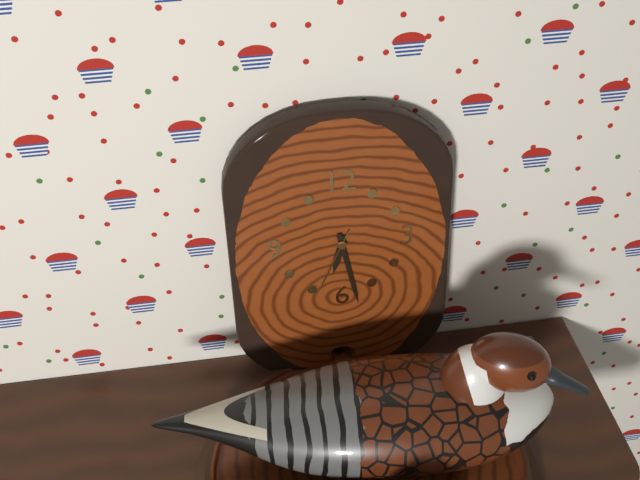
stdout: 6 h 28 min 34 s
